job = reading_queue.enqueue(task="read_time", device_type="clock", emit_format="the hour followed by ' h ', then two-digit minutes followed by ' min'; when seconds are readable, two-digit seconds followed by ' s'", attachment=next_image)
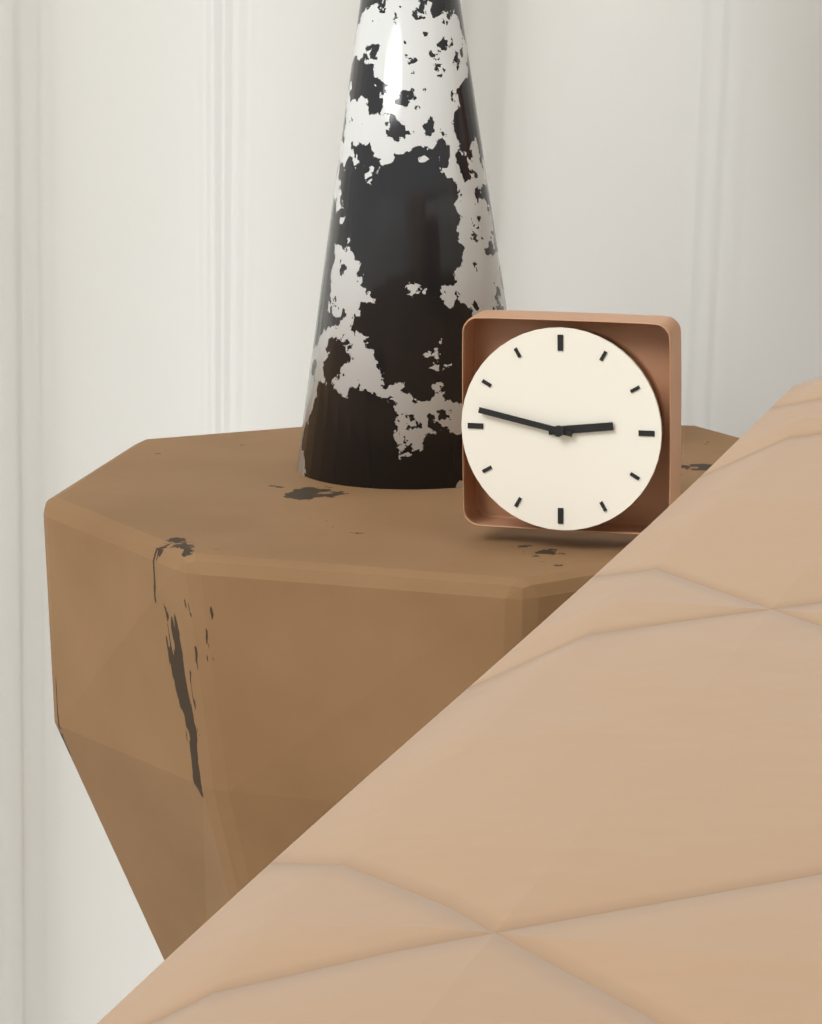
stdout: 2 h 47 min
